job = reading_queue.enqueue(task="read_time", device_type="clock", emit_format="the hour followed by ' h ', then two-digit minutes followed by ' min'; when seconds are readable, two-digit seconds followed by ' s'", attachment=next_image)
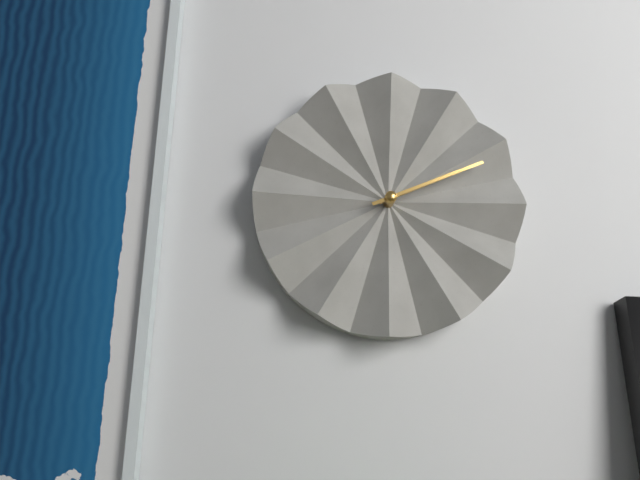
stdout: 2 h 11 min
